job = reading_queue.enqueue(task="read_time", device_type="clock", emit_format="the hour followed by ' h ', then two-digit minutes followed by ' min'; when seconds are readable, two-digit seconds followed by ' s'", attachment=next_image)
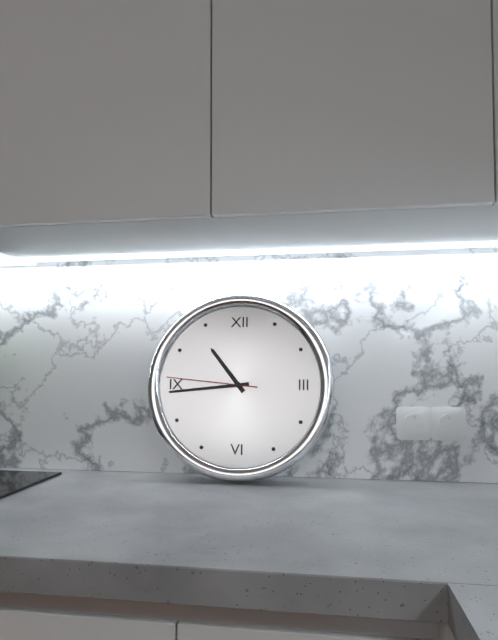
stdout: 10 h 44 min 46 s
